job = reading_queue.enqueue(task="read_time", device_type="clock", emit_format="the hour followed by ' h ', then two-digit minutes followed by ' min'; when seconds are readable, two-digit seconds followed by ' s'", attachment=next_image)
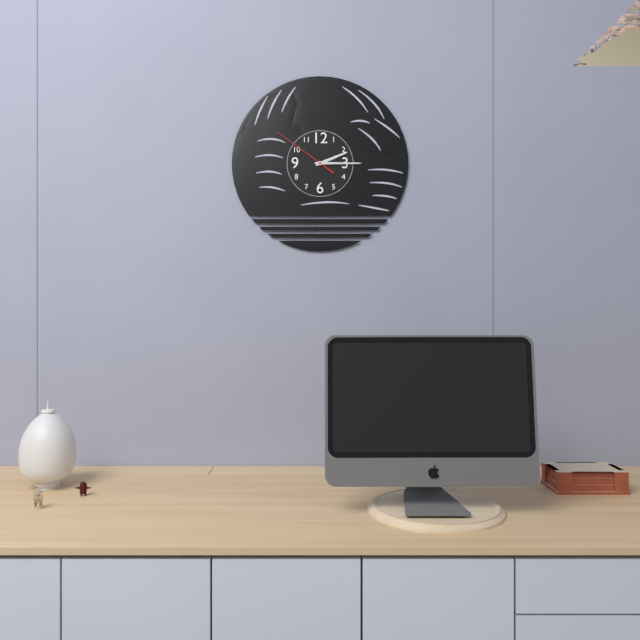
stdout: 2 h 15 min 51 s
